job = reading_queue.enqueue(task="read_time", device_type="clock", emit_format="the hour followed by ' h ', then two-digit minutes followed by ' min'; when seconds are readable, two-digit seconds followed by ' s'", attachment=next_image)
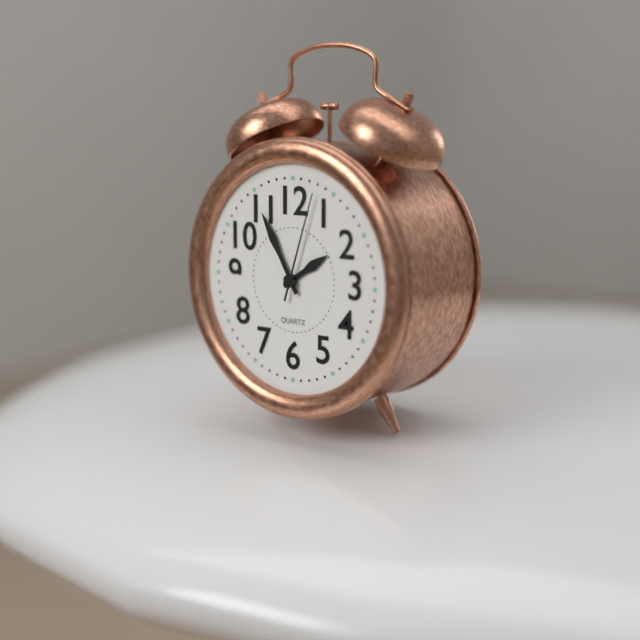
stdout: 1 h 55 min 03 s
